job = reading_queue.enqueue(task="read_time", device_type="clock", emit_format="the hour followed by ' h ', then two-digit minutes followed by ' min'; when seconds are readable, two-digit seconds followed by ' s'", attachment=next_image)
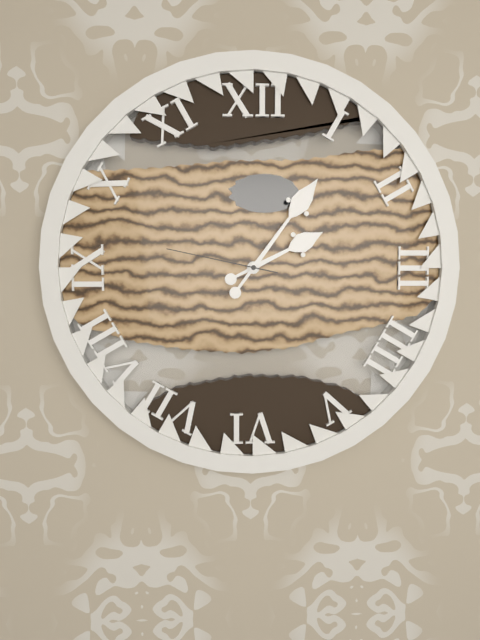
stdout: 2 h 06 min 47 s
